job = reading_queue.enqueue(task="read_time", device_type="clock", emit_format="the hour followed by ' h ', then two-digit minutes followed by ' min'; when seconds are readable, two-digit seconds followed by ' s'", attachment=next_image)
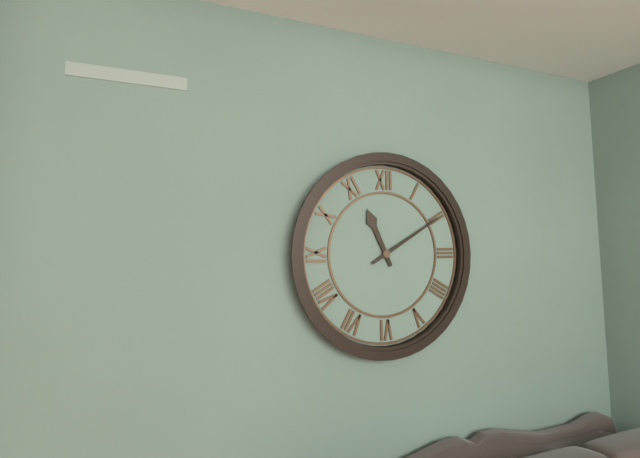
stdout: 11 h 10 min
